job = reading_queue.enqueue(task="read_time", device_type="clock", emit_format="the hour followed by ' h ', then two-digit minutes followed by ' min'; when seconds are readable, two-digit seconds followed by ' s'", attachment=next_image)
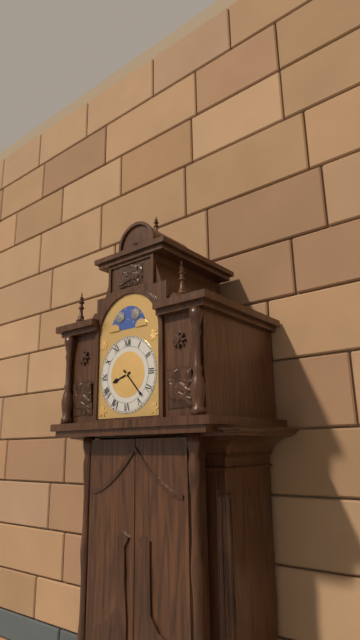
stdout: 8 h 23 min
